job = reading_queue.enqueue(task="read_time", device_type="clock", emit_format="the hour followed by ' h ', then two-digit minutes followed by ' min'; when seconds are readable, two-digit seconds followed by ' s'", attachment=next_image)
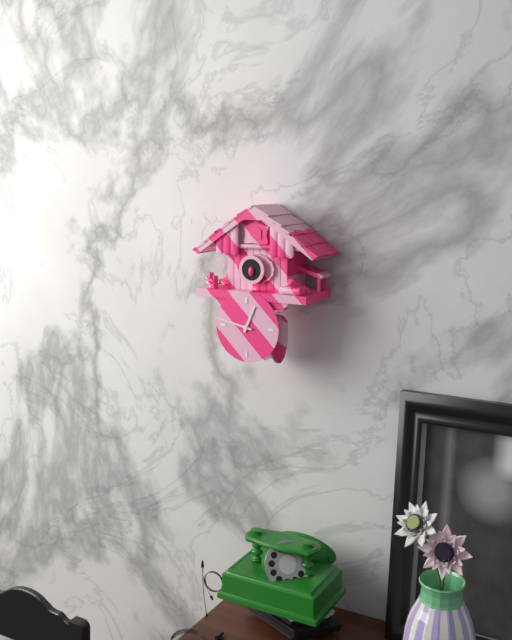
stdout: 12 h 47 min
